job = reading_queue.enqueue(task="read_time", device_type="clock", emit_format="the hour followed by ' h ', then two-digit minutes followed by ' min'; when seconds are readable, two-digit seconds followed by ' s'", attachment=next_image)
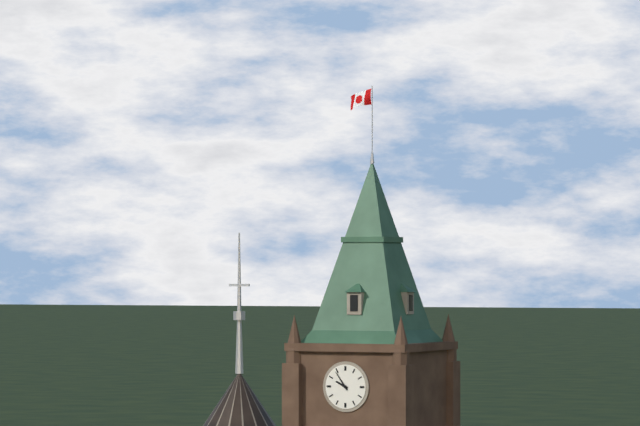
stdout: 9 h 54 min
